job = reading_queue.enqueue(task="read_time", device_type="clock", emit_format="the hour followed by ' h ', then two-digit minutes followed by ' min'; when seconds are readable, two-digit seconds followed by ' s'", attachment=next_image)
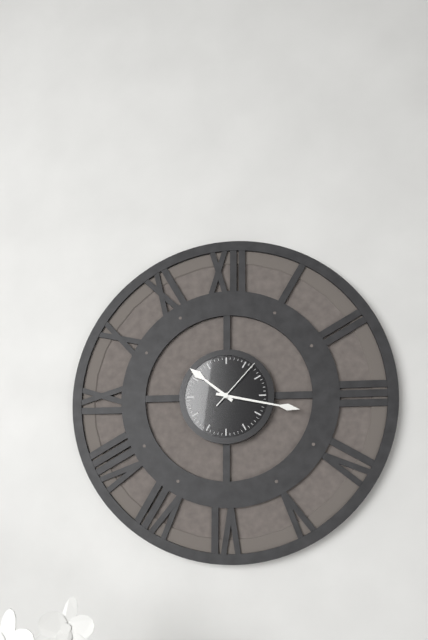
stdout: 10 h 17 min 07 s
